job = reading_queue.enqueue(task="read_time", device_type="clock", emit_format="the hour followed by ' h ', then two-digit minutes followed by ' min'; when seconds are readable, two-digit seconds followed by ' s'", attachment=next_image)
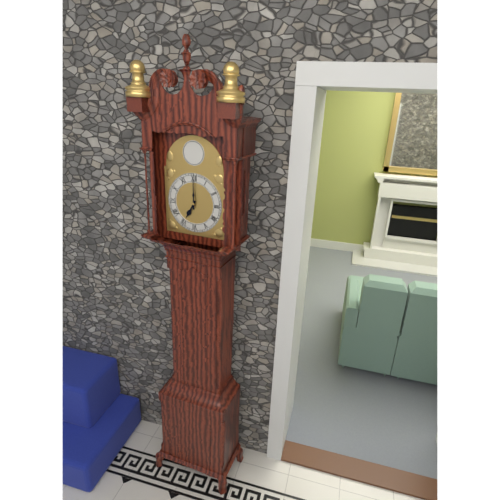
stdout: 7 h 00 min
